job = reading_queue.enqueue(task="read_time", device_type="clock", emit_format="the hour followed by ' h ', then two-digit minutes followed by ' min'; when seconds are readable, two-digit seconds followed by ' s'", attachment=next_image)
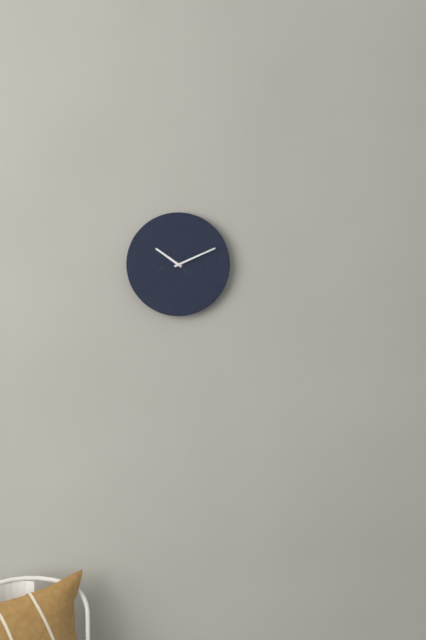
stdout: 10 h 11 min
